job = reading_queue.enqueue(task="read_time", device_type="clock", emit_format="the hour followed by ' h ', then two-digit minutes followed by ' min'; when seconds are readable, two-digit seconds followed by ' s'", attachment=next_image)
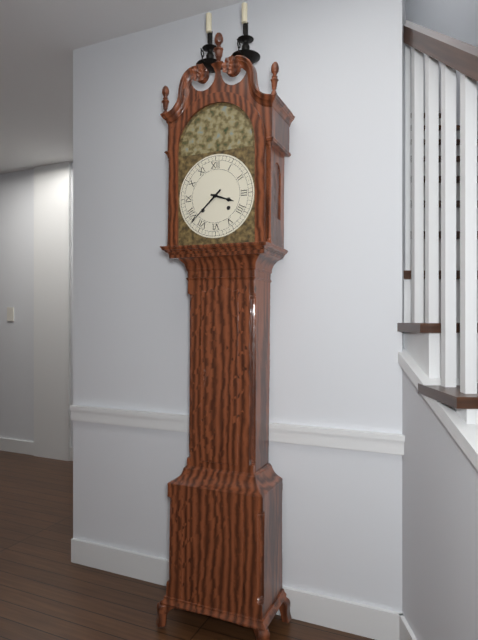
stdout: 3 h 38 min
